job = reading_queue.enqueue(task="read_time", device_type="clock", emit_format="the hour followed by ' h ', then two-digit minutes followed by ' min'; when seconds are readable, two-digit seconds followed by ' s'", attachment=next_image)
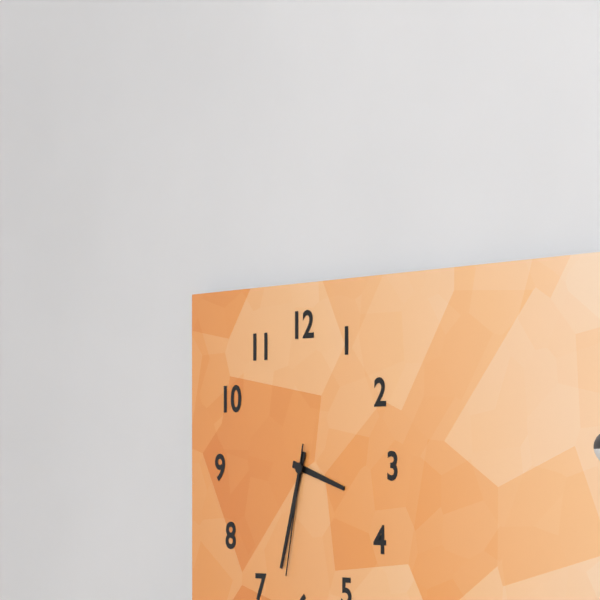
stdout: 3 h 33 min 32 s
